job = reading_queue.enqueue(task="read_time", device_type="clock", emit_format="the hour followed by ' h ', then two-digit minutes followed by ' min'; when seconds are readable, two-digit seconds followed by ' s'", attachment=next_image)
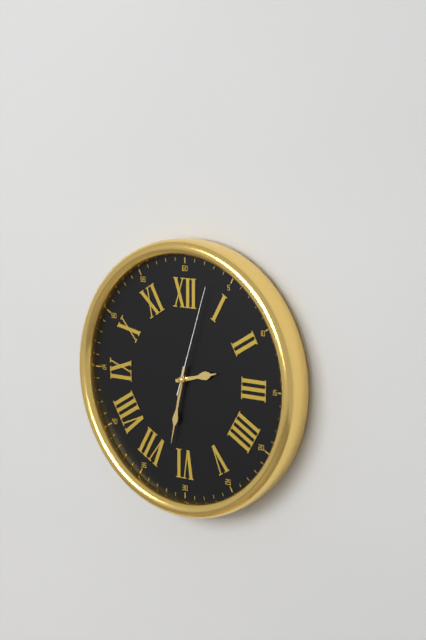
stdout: 2 h 32 min 03 s
